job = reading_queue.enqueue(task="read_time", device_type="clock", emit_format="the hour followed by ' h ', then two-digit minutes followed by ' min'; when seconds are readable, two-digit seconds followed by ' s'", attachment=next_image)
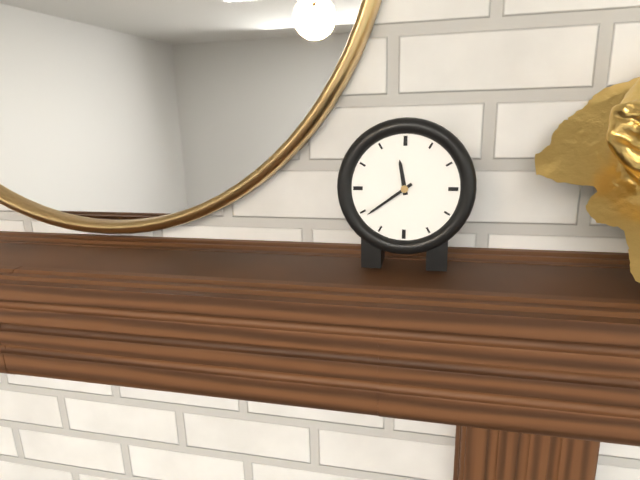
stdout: 11 h 39 min
